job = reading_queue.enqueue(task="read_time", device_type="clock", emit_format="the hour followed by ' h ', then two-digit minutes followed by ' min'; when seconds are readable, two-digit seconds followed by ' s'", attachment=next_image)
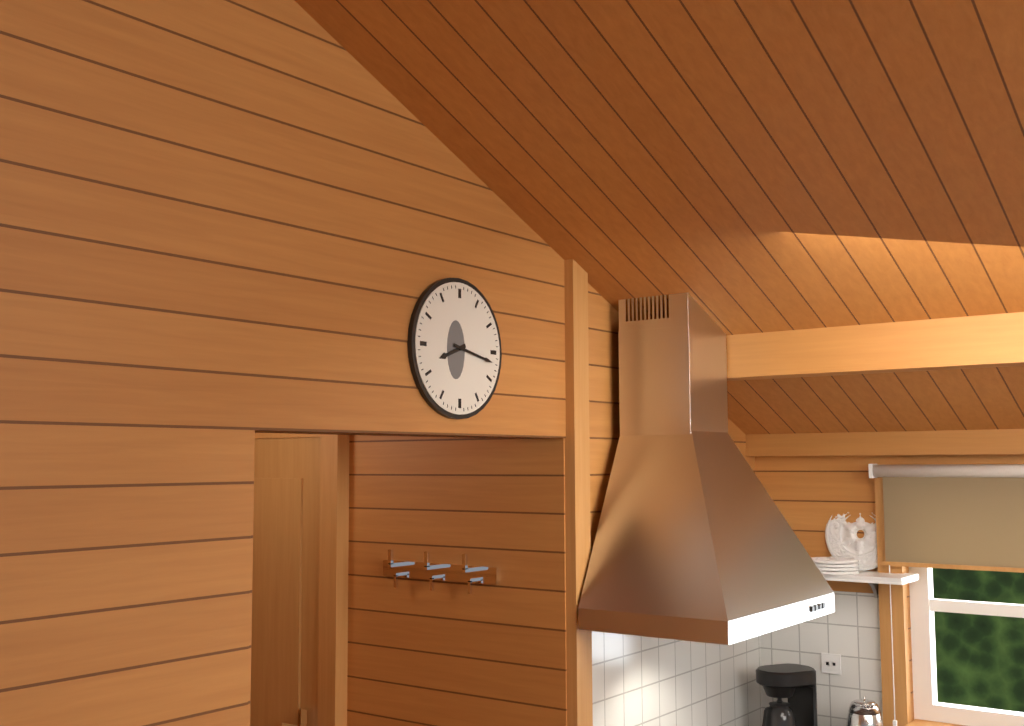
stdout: 8 h 17 min
